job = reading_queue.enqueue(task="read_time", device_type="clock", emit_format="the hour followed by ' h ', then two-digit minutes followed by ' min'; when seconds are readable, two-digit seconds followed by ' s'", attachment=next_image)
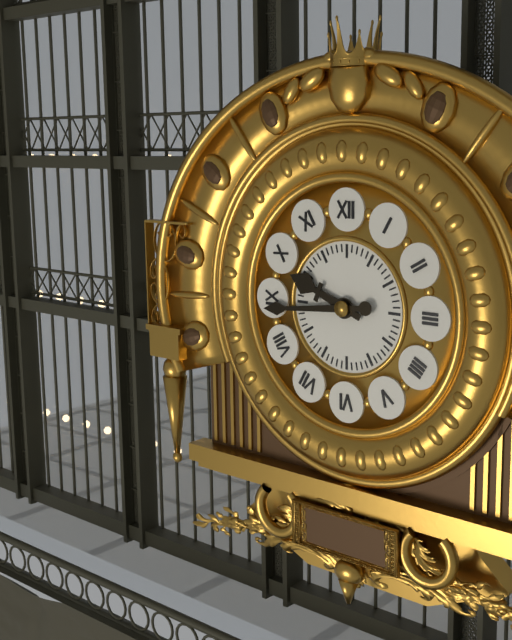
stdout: 9 h 44 min
